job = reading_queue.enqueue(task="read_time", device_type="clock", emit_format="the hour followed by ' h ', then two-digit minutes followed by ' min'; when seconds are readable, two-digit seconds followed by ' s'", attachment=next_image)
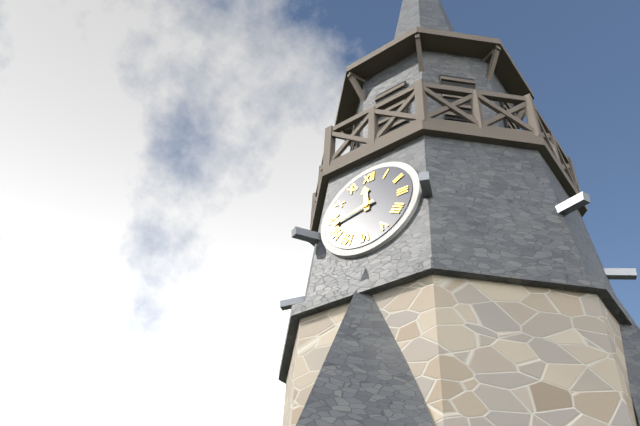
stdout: 11 h 43 min
